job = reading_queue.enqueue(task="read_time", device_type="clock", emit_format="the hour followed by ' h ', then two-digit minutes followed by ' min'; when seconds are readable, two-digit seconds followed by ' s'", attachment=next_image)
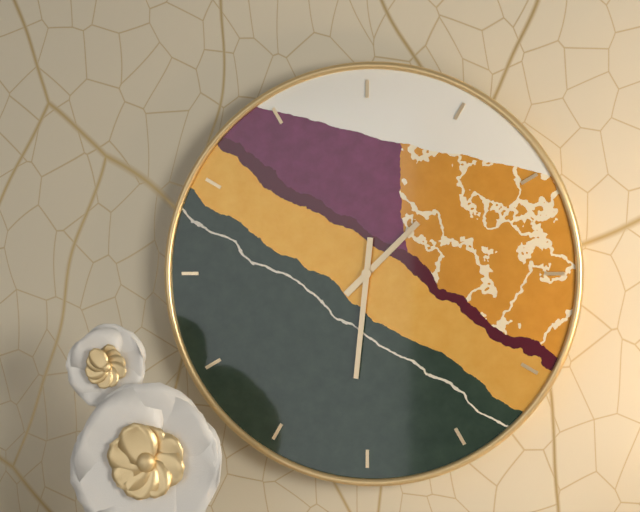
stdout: 1 h 31 min
